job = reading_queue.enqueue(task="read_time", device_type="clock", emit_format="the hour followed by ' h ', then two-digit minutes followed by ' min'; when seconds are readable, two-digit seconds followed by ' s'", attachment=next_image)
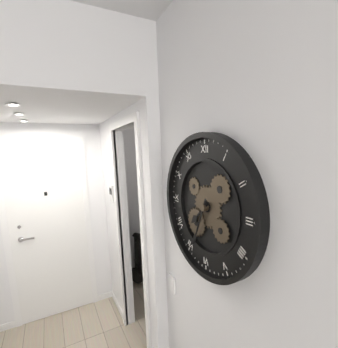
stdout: 7 h 34 min
